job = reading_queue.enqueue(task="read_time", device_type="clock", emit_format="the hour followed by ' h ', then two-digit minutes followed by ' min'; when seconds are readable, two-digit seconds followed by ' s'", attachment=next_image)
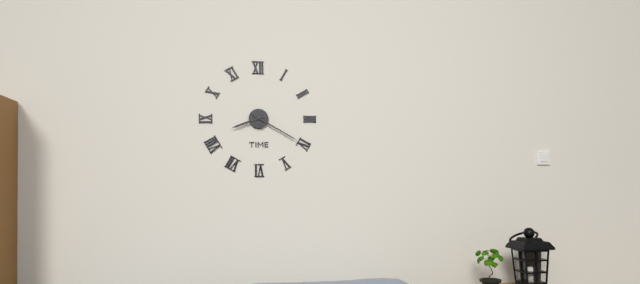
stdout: 8 h 20 min
